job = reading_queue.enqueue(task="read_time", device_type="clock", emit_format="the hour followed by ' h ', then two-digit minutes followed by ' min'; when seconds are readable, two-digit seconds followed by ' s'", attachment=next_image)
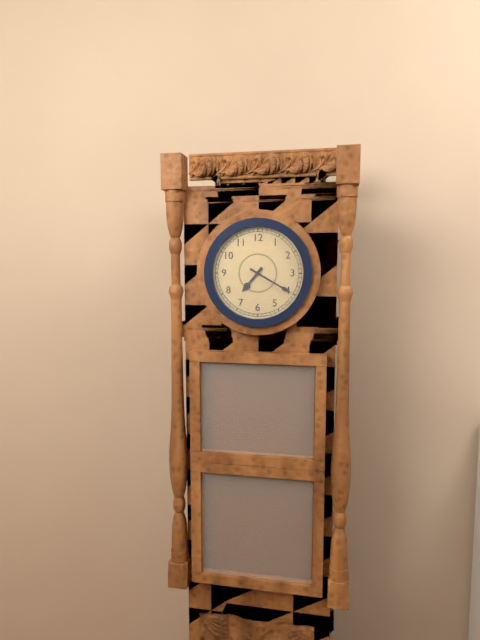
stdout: 7 h 20 min
